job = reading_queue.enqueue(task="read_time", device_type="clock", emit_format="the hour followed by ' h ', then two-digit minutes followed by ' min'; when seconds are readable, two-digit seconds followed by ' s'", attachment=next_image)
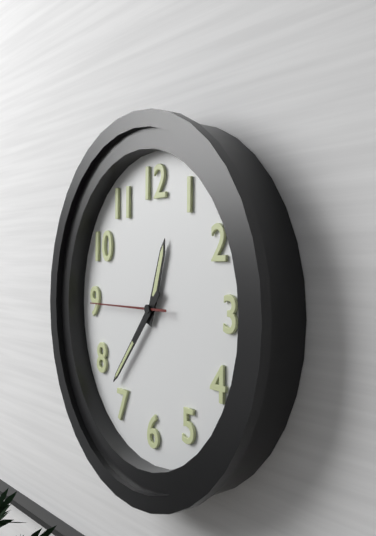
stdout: 12 h 37 min 45 s
